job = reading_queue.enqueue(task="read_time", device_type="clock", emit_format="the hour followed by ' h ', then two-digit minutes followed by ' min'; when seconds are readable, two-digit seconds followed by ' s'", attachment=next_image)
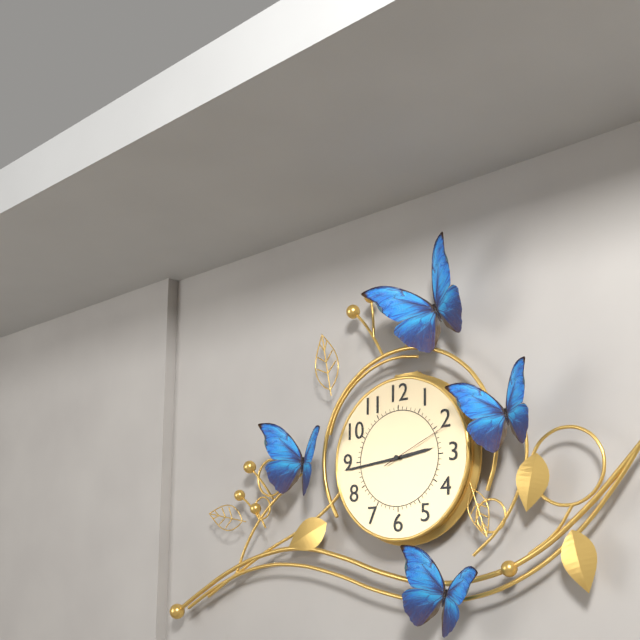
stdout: 2 h 44 min 11 s
